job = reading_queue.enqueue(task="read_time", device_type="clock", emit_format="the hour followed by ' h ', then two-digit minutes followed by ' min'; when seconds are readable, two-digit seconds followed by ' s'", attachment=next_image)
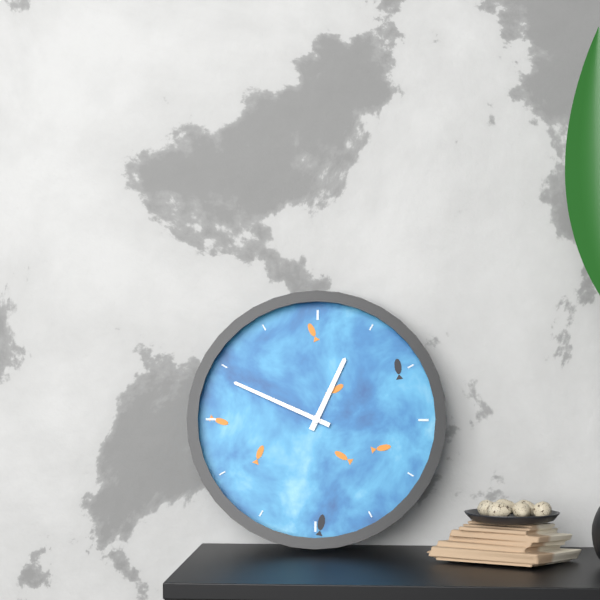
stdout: 12 h 49 min
